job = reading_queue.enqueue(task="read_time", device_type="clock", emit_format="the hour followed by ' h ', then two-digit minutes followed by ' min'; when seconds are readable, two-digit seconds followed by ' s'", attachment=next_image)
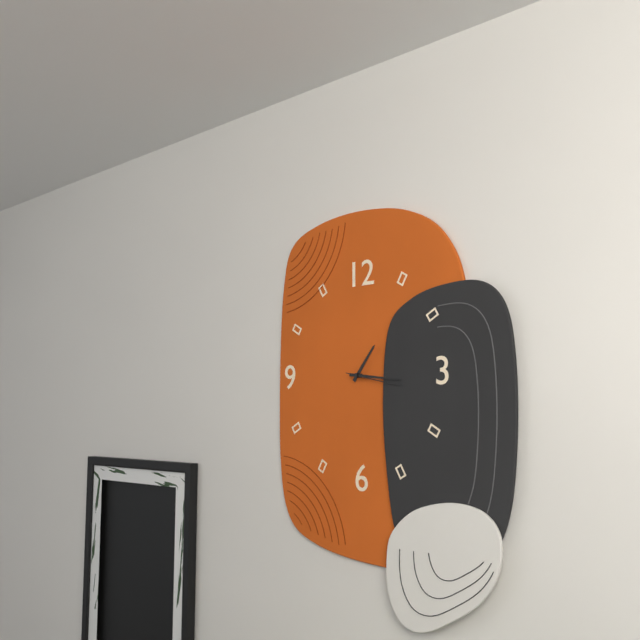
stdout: 1 h 16 min 17 s
